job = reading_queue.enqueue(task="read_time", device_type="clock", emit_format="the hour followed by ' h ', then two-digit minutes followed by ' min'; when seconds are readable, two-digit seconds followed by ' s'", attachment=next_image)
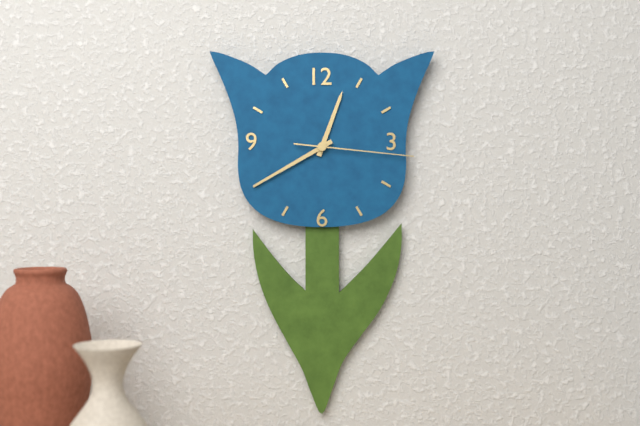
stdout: 12 h 40 min 16 s
